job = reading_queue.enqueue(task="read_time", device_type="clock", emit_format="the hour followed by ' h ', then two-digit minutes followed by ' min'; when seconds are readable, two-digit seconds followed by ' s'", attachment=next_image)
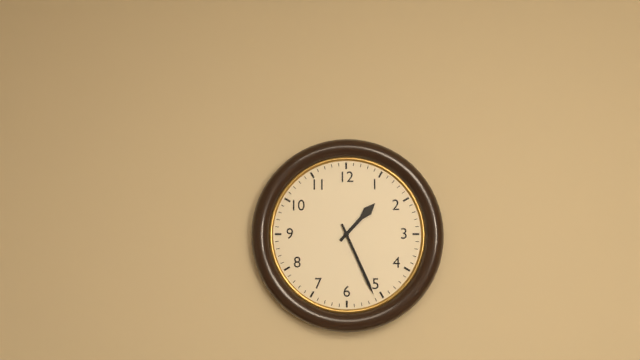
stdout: 1 h 26 min
